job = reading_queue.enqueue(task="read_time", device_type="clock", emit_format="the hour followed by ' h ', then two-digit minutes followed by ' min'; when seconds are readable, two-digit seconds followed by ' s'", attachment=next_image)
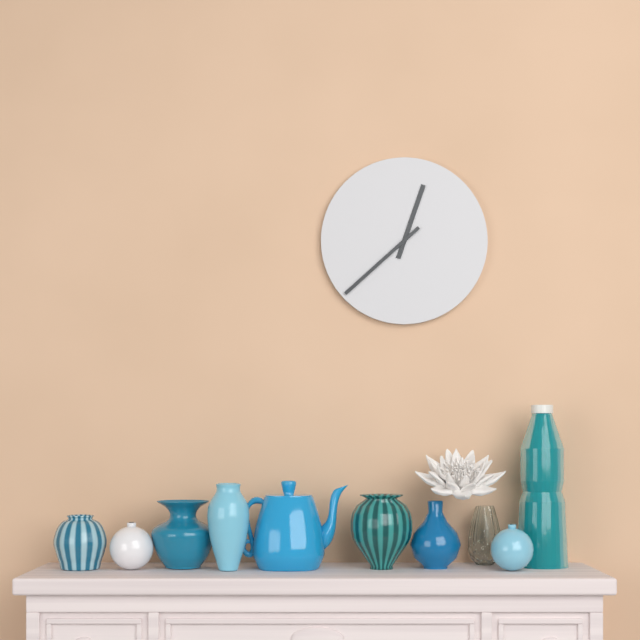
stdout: 12 h 38 min
